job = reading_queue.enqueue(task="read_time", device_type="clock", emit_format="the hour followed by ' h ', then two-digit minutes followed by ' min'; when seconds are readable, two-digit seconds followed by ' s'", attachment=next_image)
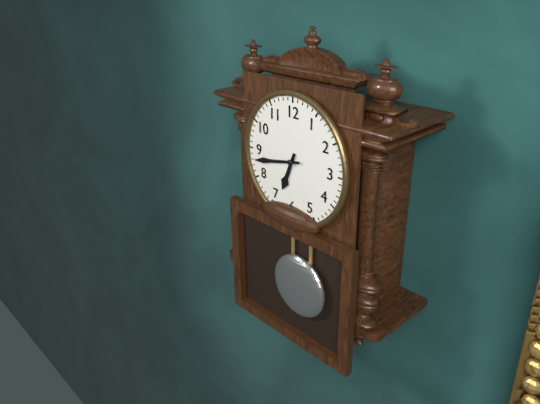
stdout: 6 h 43 min
